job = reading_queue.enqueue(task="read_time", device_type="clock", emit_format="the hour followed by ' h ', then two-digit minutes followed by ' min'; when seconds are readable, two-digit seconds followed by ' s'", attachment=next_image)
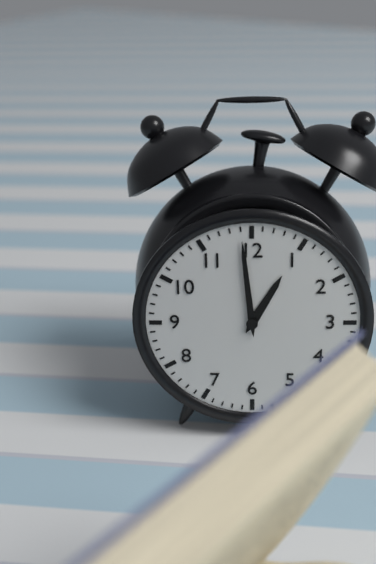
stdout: 12 h 59 min
